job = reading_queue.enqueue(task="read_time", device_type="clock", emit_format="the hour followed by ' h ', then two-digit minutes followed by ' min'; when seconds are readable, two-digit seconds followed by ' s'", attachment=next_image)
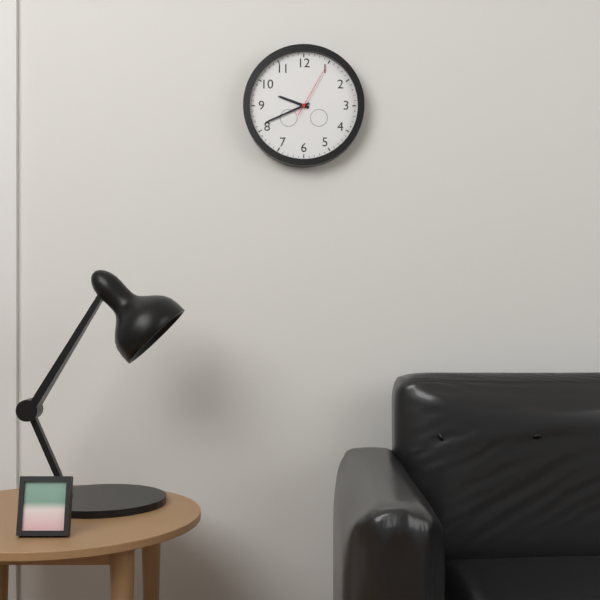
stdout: 9 h 41 min 05 s
